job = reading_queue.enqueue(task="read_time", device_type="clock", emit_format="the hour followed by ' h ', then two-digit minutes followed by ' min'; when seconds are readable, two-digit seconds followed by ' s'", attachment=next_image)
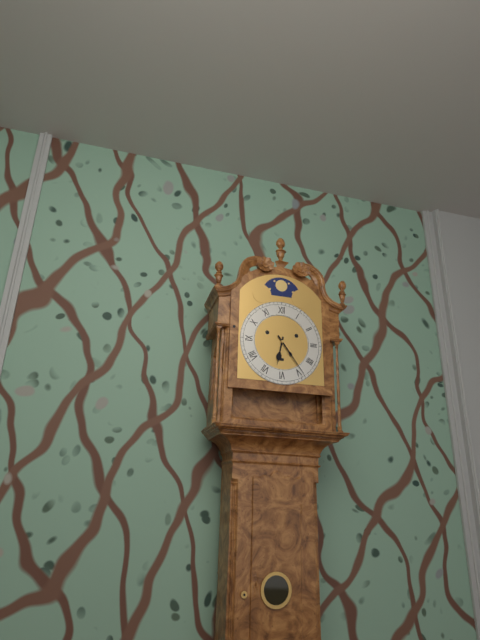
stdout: 6 h 24 min
